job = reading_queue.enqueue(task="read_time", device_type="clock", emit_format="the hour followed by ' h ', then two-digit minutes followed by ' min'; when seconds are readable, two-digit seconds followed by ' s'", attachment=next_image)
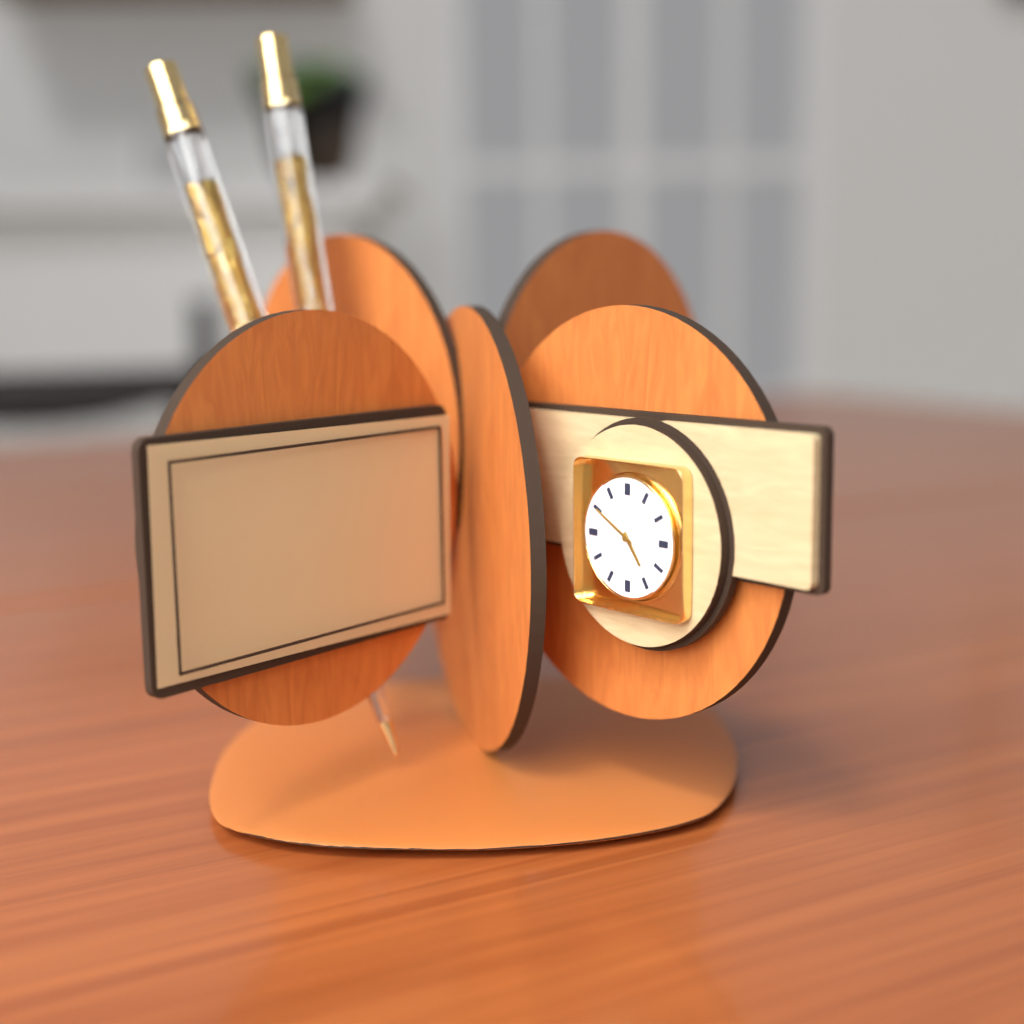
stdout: 4 h 50 min
